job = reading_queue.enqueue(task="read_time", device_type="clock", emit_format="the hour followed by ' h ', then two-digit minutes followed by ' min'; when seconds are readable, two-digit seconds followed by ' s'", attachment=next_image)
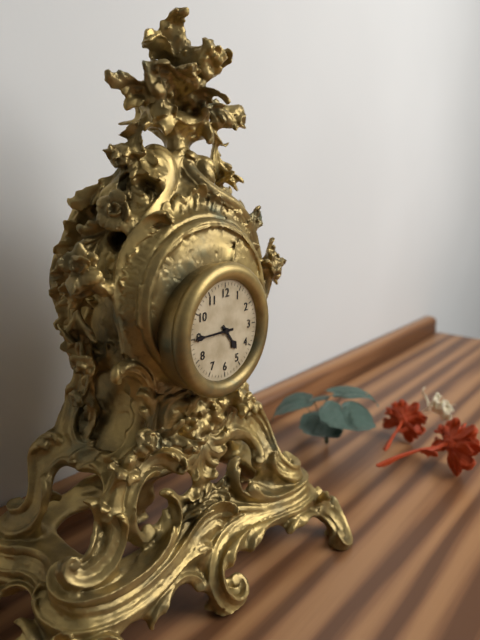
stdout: 4 h 45 min
